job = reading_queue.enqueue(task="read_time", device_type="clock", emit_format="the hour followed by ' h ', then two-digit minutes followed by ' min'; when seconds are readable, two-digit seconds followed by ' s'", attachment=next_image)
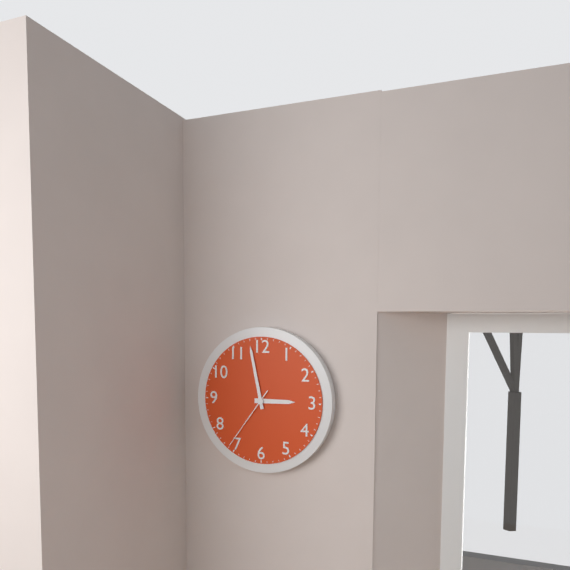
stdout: 2 h 58 min 36 s
